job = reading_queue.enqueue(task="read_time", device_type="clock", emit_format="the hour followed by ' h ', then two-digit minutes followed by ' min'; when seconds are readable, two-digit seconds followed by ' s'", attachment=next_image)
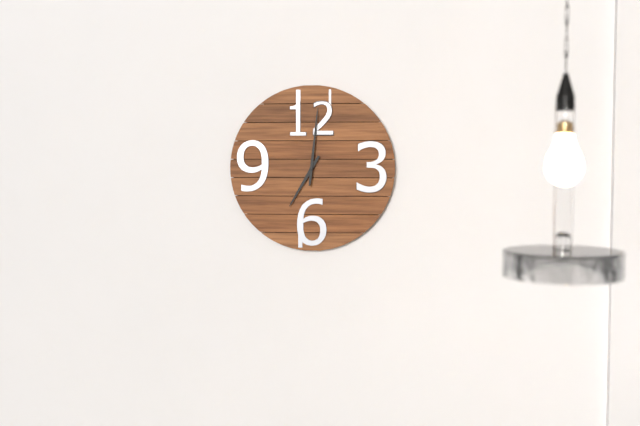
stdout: 7 h 01 min
